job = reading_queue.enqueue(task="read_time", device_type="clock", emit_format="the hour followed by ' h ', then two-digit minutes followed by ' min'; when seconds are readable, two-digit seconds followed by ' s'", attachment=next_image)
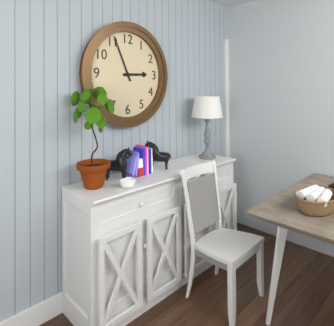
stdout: 2 h 56 min
